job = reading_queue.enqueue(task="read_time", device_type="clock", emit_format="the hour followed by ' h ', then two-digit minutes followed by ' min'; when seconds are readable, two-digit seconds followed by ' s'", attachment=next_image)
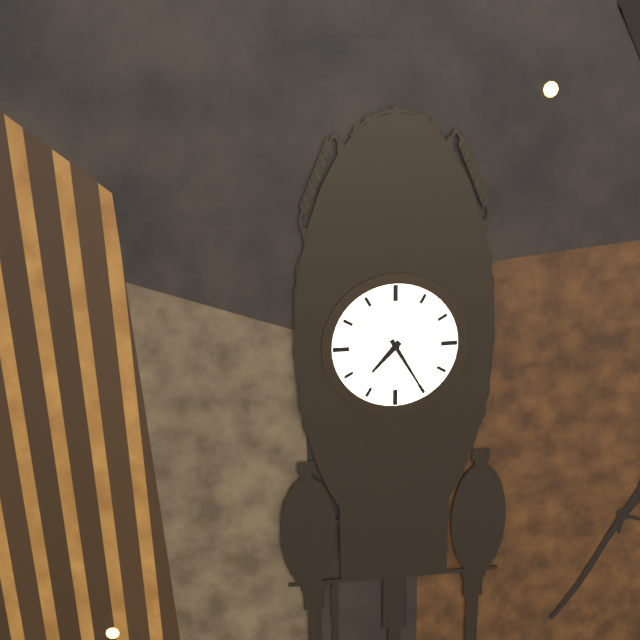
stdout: 7 h 25 min
